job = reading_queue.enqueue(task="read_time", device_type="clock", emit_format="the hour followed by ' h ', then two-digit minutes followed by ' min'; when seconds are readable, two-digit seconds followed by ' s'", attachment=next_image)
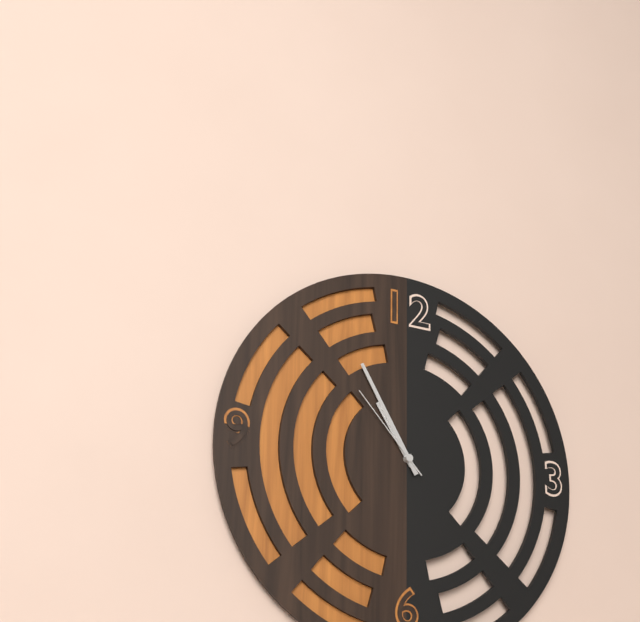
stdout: 10 h 55 min 53 s
